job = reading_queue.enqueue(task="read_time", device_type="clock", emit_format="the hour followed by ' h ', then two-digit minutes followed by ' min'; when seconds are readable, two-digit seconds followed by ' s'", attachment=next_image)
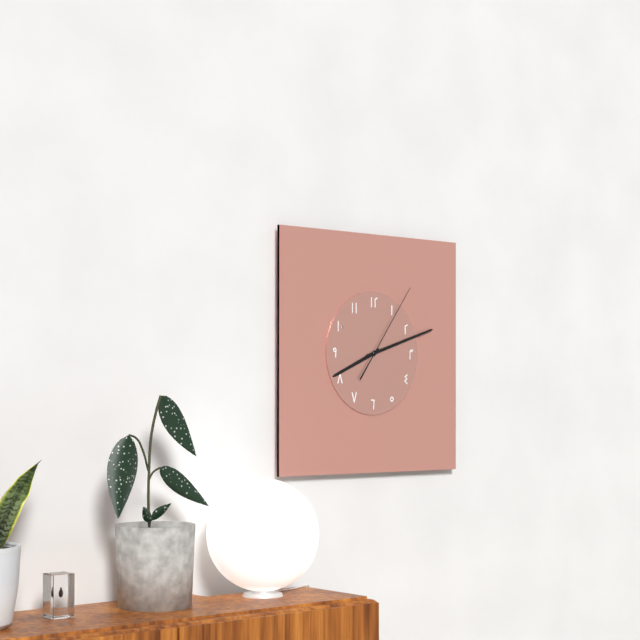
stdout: 8 h 12 min 06 s
